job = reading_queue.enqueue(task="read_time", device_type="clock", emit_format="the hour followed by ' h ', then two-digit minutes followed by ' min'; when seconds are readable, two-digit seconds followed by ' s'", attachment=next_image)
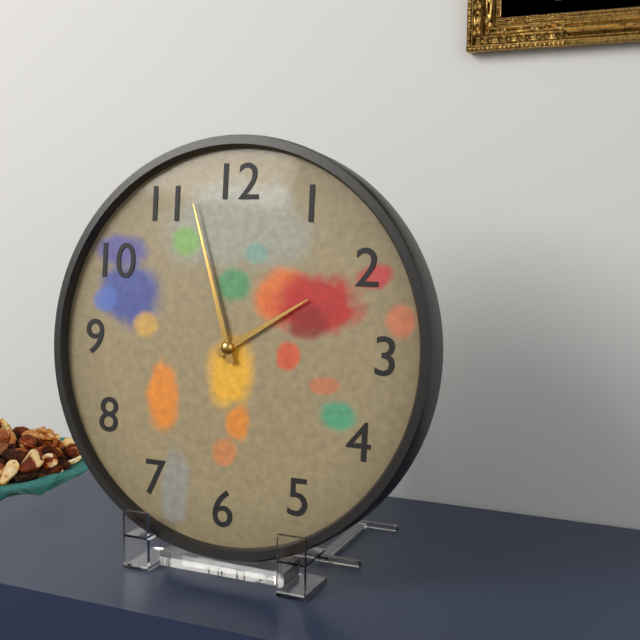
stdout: 1 h 57 min
